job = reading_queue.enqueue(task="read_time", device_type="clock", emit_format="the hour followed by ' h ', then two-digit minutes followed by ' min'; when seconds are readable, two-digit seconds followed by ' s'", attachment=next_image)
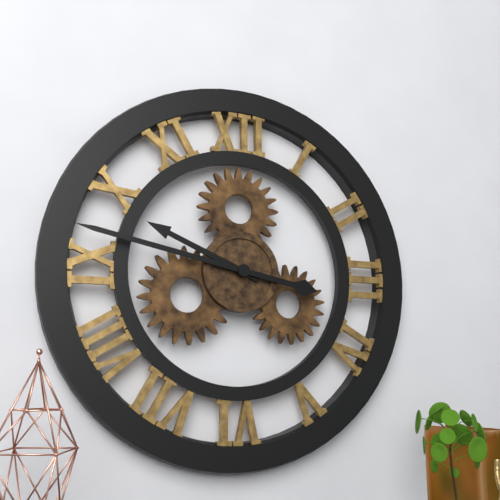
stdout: 9 h 47 min
